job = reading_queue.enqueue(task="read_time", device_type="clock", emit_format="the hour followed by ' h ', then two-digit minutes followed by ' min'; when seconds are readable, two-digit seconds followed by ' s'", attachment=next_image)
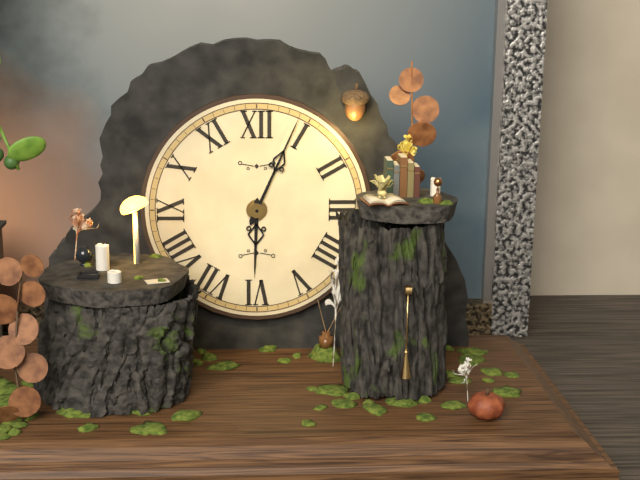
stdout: 6 h 04 min
